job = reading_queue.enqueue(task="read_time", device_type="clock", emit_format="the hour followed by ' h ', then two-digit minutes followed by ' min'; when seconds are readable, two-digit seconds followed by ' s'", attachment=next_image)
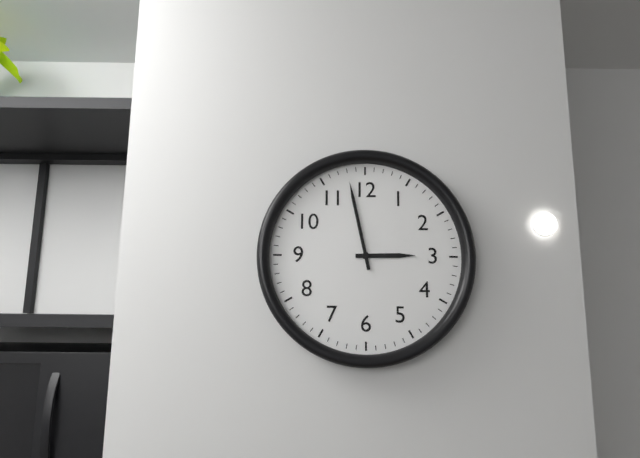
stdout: 2 h 58 min
